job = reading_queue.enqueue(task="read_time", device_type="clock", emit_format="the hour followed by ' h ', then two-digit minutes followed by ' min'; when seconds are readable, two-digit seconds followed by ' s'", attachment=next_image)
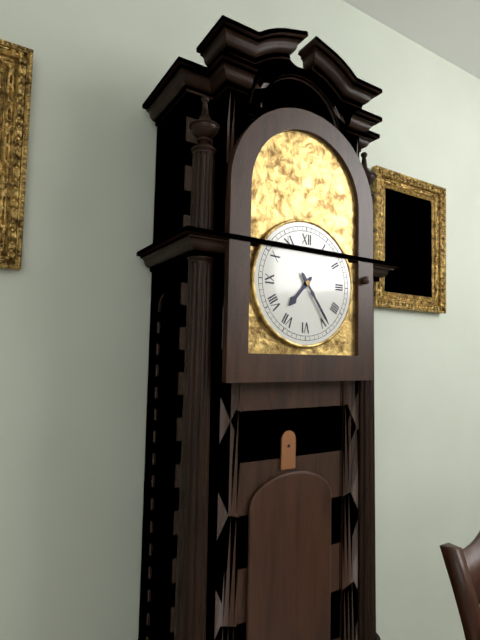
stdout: 7 h 24 min
